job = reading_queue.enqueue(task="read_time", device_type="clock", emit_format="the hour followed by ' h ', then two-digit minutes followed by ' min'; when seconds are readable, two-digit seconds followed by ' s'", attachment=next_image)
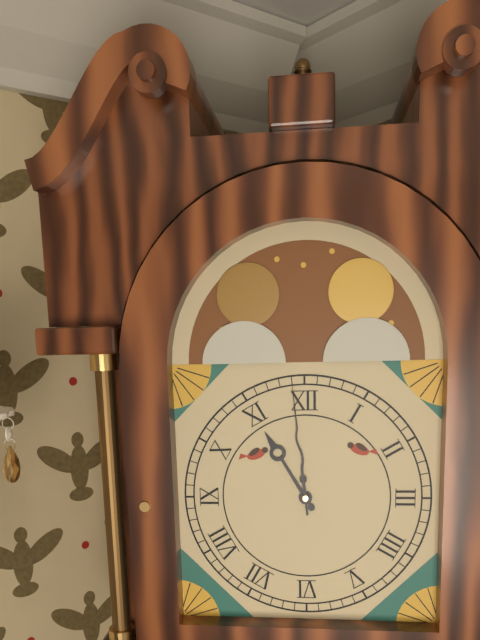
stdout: 10 h 59 min
